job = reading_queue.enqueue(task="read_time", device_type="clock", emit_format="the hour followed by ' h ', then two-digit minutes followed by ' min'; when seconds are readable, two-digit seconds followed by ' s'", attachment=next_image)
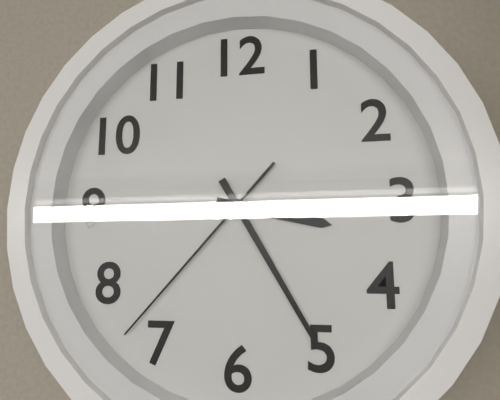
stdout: 3 h 25 min 37 s
